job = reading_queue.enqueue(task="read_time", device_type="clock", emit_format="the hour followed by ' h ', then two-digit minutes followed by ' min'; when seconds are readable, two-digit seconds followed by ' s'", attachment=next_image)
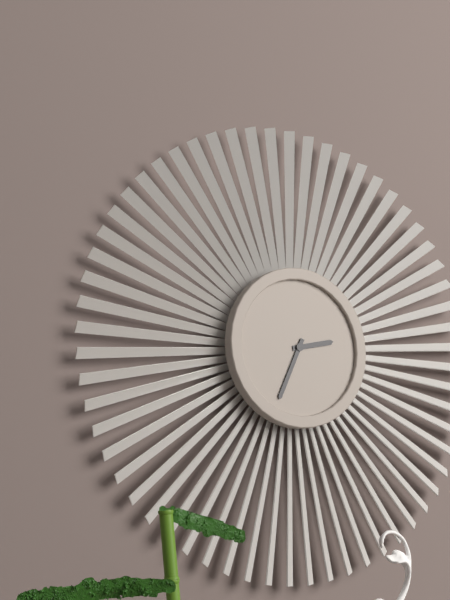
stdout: 2 h 34 min
